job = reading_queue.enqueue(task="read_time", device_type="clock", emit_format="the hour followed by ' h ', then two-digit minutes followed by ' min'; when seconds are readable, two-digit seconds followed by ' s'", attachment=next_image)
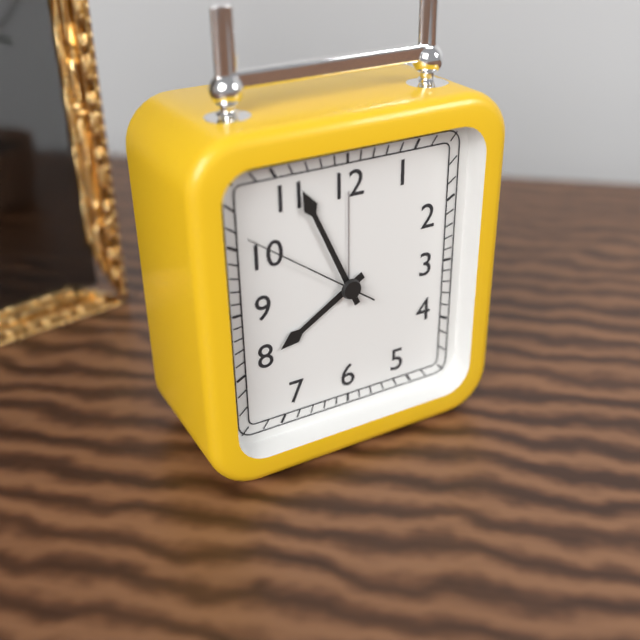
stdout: 7 h 56 min 51 s
